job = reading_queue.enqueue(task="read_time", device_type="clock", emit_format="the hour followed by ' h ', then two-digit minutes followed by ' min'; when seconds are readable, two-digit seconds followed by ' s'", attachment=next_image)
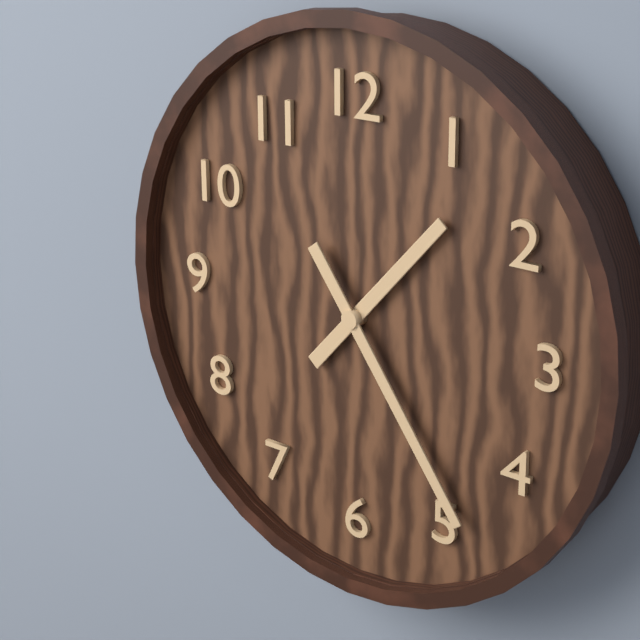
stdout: 1 h 24 min
